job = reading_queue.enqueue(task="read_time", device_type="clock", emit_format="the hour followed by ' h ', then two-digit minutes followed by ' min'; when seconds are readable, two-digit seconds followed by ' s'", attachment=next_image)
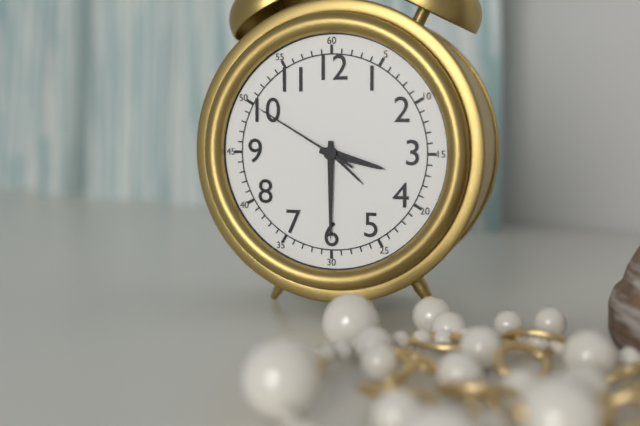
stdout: 3 h 30 min 50 s
